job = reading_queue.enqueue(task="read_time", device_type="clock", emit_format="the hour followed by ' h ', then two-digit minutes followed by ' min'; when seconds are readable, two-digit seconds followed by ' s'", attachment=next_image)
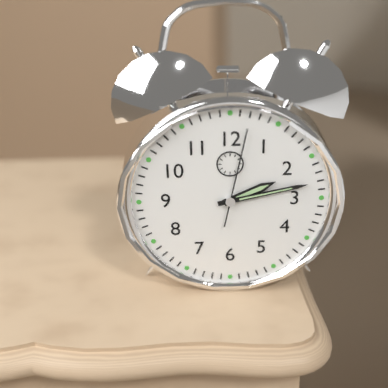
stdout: 2 h 13 min 02 s
